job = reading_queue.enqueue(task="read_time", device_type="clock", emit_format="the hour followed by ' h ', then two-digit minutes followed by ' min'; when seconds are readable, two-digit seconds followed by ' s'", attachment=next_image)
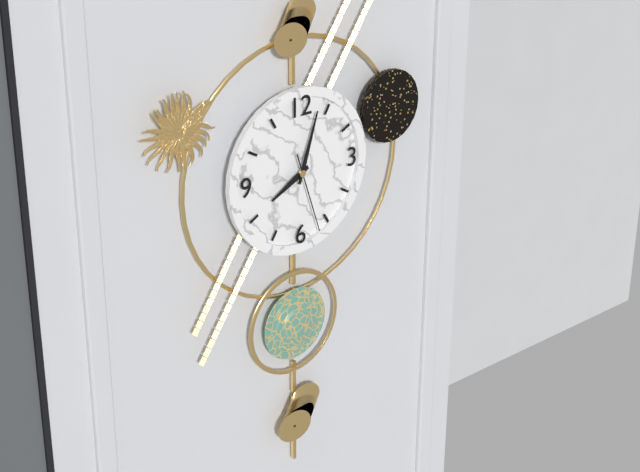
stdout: 8 h 03 min 27 s
